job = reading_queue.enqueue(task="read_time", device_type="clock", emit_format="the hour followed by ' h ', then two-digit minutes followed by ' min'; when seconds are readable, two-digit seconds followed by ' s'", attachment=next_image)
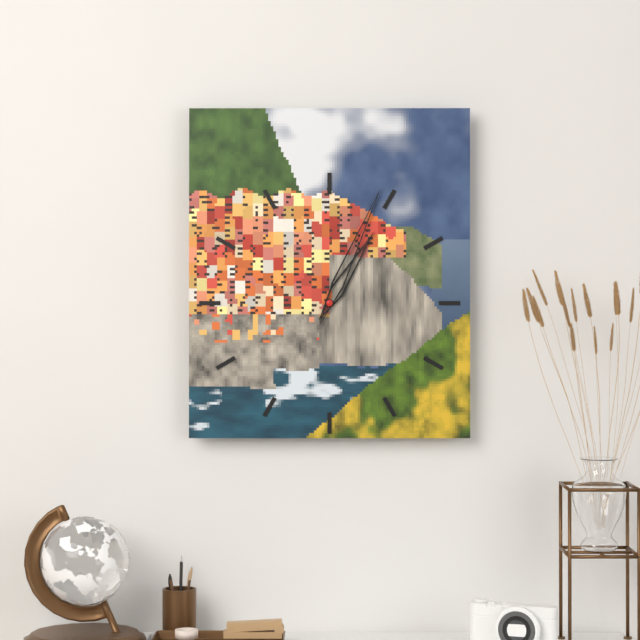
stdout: 1 h 04 min
